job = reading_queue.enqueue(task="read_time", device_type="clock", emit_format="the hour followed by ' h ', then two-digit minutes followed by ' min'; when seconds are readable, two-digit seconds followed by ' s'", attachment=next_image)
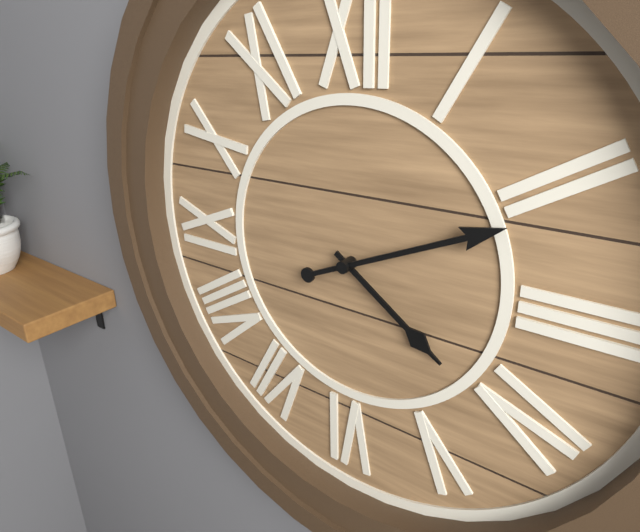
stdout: 4 h 11 min
